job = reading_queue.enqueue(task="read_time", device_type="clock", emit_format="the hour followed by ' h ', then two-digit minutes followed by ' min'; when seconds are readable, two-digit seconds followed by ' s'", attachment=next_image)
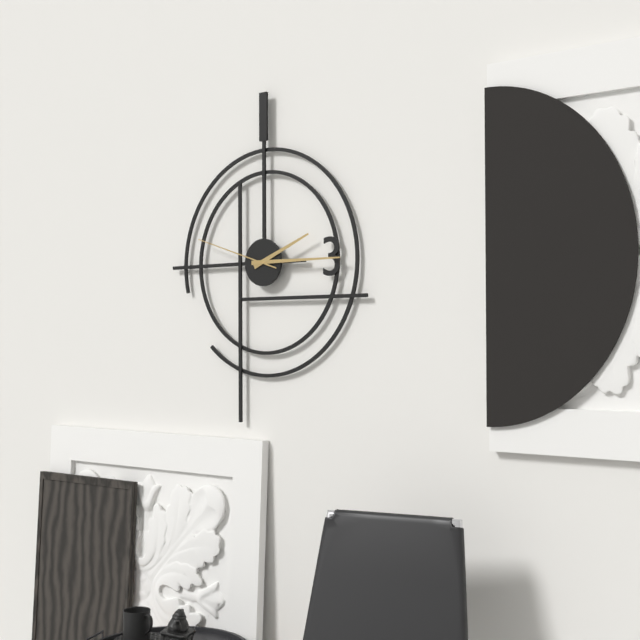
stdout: 2 h 15 min 48 s
